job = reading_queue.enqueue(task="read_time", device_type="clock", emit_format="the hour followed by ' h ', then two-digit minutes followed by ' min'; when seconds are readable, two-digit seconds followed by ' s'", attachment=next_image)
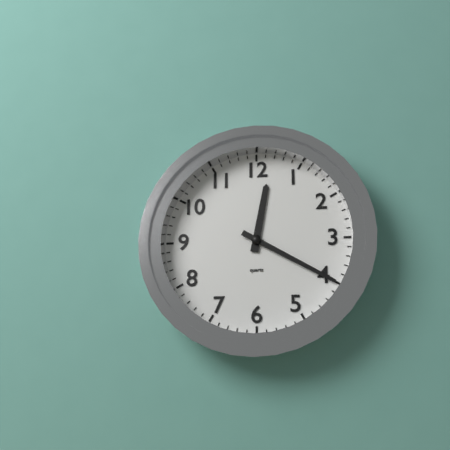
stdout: 12 h 20 min
